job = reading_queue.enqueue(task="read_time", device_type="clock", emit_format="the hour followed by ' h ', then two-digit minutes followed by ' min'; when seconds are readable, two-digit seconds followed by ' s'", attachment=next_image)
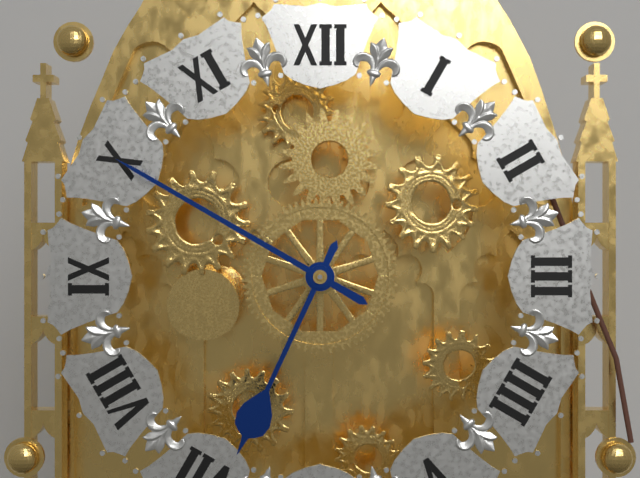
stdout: 6 h 50 min
